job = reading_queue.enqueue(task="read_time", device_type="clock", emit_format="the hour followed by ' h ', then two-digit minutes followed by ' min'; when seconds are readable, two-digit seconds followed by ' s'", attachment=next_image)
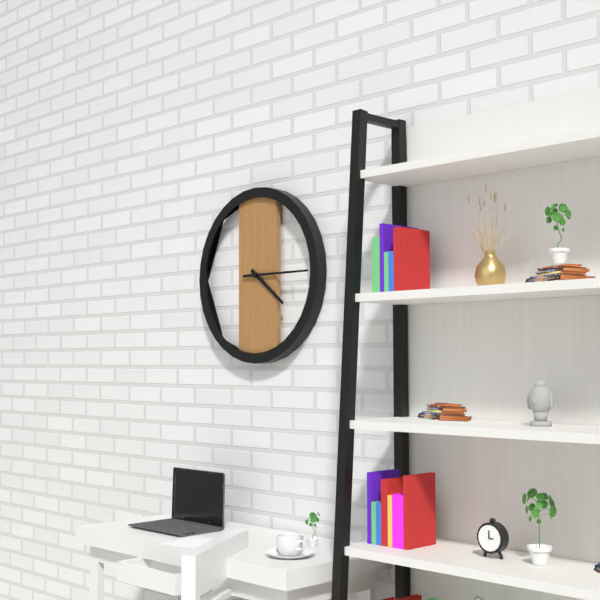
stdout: 4 h 15 min
